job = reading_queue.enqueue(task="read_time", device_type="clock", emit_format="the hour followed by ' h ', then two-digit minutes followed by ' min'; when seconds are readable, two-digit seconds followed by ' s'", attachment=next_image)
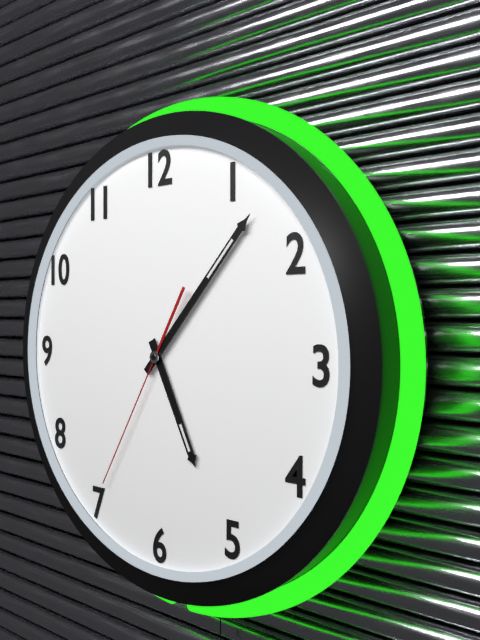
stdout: 5 h 07 min 35 s
